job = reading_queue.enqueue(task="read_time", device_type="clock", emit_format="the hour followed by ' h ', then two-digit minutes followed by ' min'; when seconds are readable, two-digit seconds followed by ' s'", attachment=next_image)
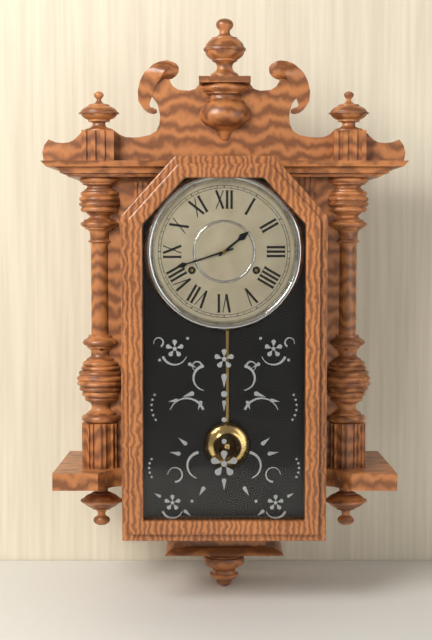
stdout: 1 h 42 min
